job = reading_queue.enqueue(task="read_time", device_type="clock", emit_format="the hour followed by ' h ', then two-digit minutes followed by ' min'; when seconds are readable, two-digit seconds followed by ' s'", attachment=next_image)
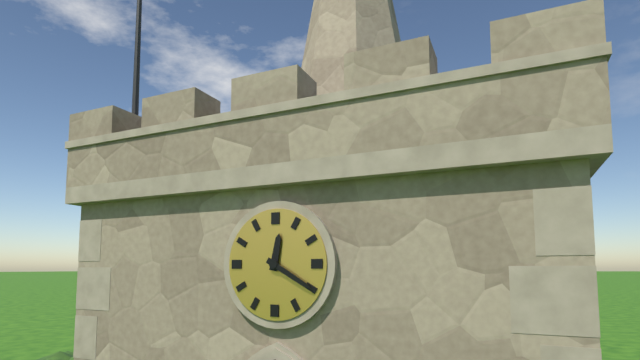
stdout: 12 h 20 min
